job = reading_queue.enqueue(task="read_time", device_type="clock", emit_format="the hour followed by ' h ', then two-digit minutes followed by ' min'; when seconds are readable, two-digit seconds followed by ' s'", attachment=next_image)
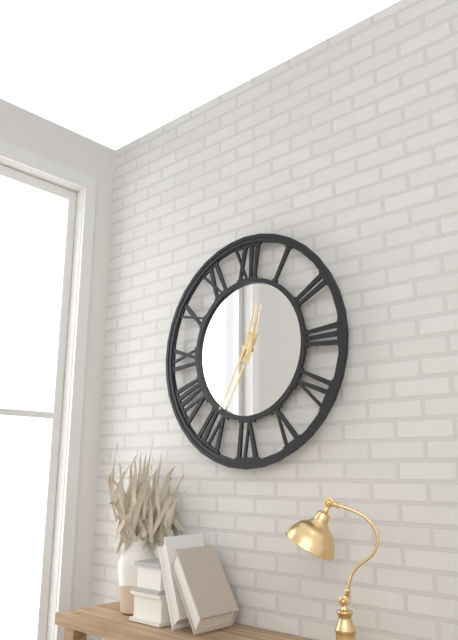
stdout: 12 h 35 min
